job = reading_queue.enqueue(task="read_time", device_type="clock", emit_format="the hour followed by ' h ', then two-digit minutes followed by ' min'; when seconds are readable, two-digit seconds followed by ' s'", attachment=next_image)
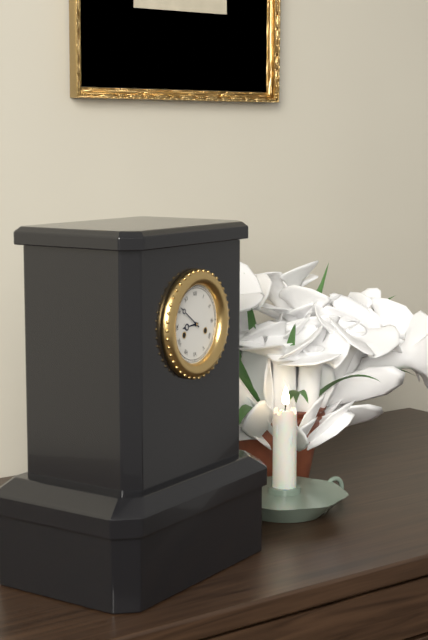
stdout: 8 h 51 min
